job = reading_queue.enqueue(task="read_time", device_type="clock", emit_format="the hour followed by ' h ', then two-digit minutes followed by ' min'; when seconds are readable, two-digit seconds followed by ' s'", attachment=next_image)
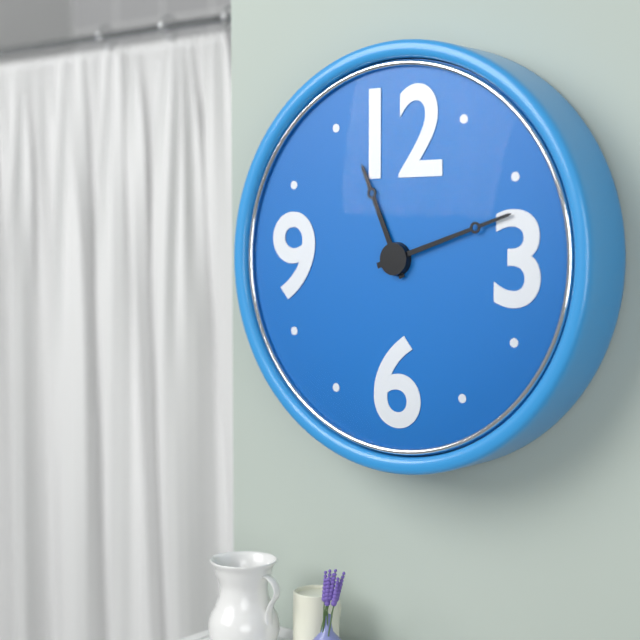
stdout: 11 h 12 min
